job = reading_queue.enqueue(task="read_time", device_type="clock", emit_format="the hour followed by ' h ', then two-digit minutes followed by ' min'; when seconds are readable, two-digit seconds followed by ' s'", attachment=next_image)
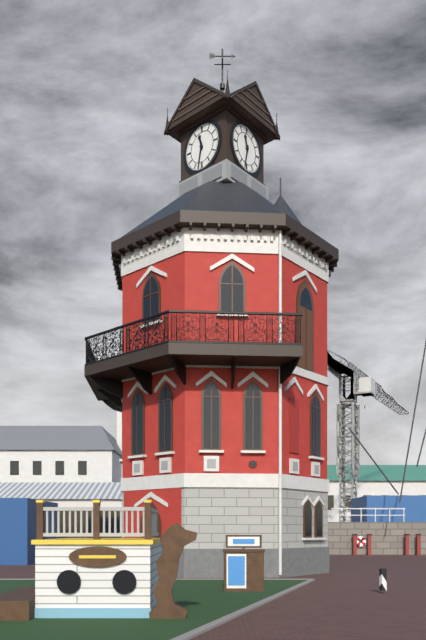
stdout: 11 h 32 min
